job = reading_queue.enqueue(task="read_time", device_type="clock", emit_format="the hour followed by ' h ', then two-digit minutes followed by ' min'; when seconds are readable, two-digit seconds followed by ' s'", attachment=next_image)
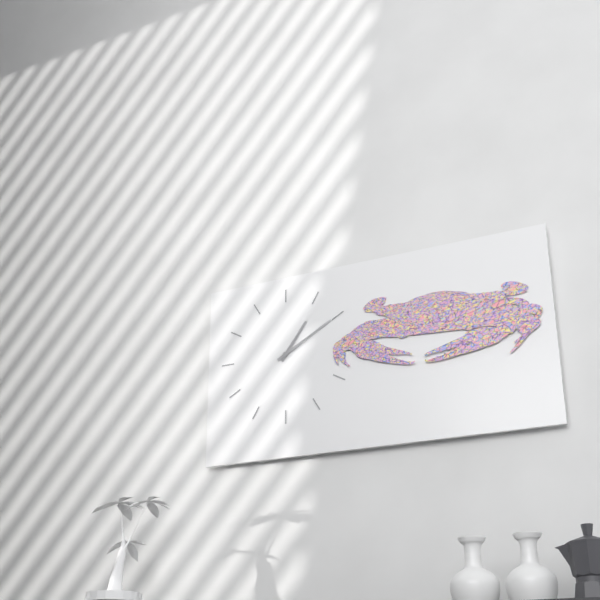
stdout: 1 h 10 min
